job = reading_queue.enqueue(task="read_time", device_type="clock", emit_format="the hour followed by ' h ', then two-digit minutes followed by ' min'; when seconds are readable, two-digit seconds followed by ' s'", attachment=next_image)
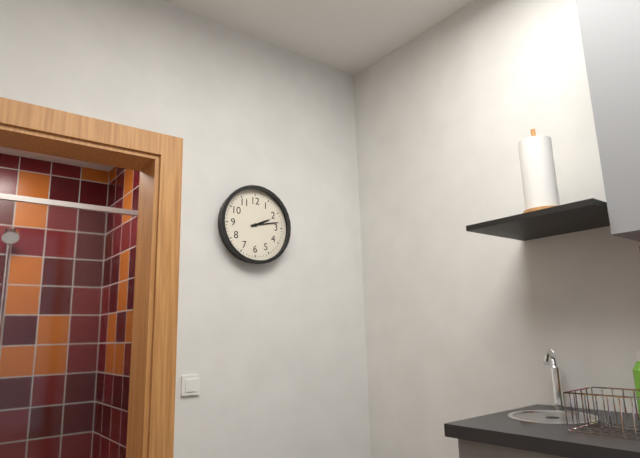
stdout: 2 h 13 min
